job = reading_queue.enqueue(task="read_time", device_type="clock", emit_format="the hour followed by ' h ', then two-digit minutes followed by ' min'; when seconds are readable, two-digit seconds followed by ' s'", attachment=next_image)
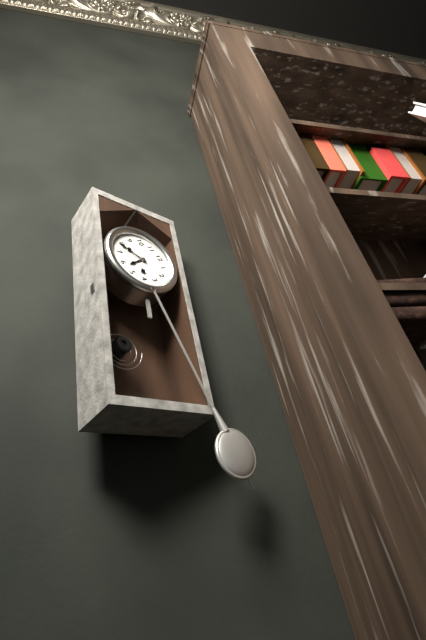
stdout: 5 h 39 min
